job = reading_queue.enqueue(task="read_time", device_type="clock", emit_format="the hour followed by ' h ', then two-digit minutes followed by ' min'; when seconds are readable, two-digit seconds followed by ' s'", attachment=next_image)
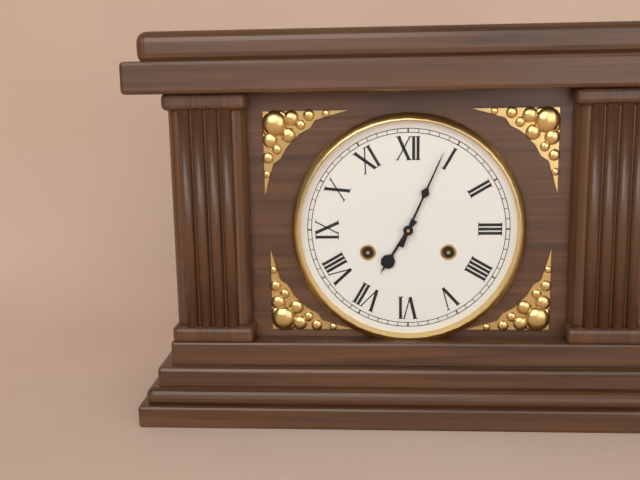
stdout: 7 h 04 min
